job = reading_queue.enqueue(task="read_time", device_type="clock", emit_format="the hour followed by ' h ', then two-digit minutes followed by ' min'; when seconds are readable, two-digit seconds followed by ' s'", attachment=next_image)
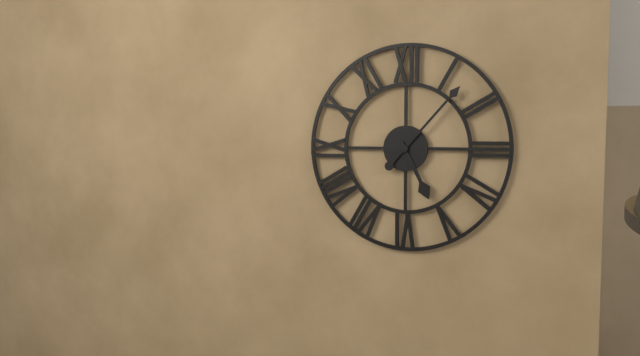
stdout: 5 h 07 min
